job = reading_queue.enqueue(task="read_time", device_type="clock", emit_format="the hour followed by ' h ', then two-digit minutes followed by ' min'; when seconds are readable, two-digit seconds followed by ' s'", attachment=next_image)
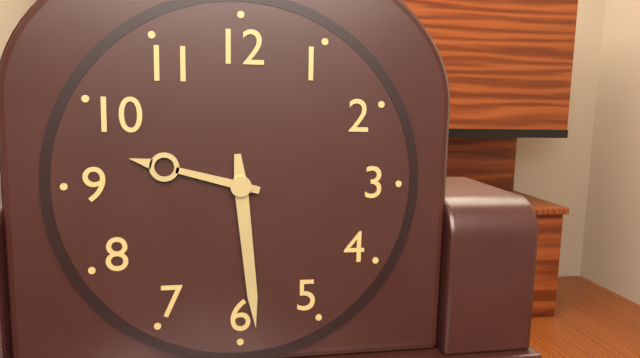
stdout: 9 h 29 min
